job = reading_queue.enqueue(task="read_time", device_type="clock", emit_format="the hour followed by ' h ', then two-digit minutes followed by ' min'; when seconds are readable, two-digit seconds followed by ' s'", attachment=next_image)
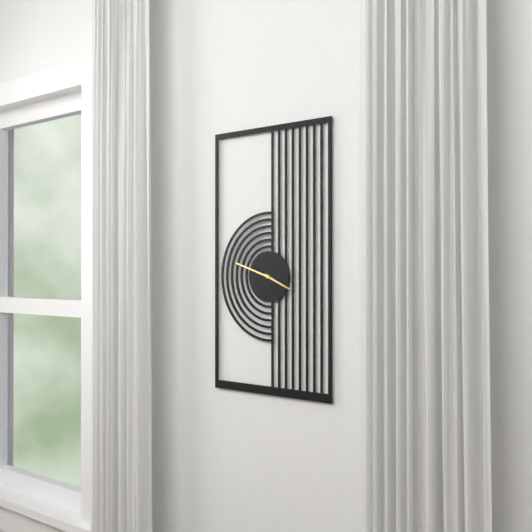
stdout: 3 h 48 min
